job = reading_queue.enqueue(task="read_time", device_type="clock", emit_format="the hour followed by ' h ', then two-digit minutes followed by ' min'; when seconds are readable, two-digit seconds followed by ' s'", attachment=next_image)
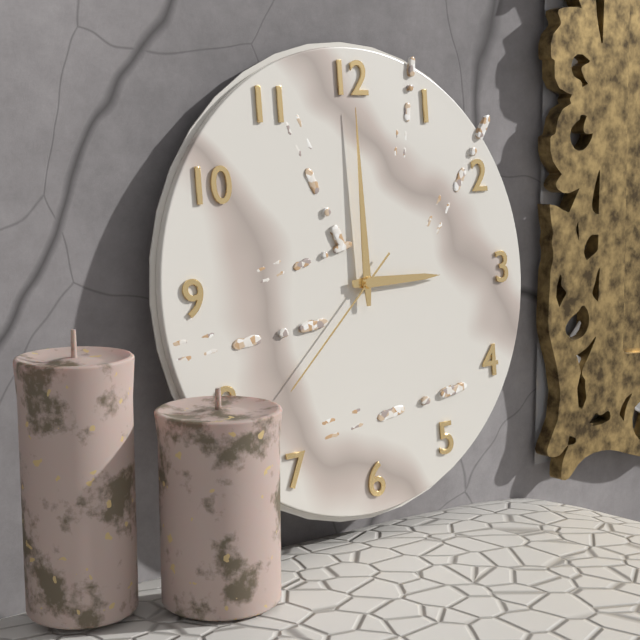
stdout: 3 h 00 min 38 s
